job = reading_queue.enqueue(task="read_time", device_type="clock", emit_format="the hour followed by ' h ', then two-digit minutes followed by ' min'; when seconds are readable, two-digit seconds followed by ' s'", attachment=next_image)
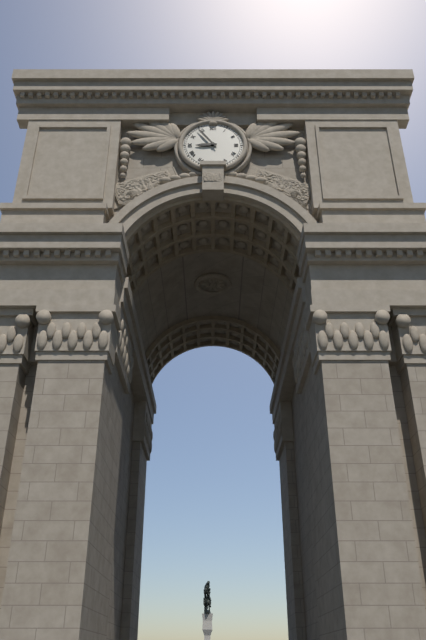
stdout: 8 h 54 min
